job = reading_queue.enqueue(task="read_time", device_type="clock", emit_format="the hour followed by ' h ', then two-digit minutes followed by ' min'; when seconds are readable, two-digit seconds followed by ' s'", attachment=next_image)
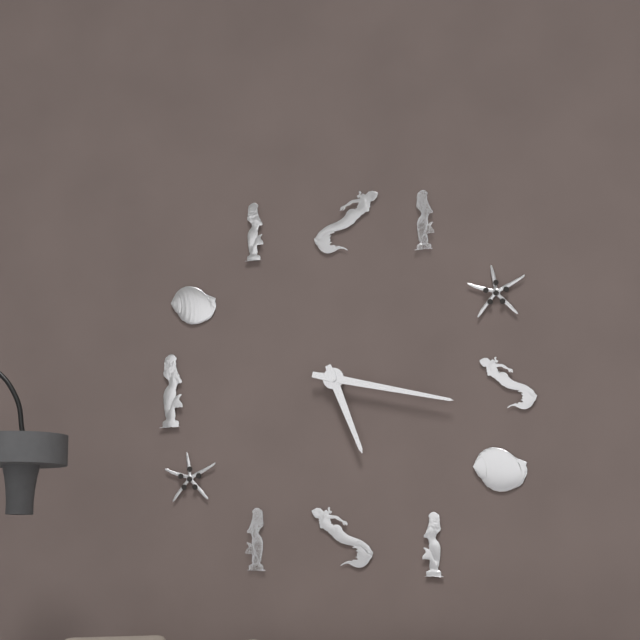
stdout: 5 h 17 min
